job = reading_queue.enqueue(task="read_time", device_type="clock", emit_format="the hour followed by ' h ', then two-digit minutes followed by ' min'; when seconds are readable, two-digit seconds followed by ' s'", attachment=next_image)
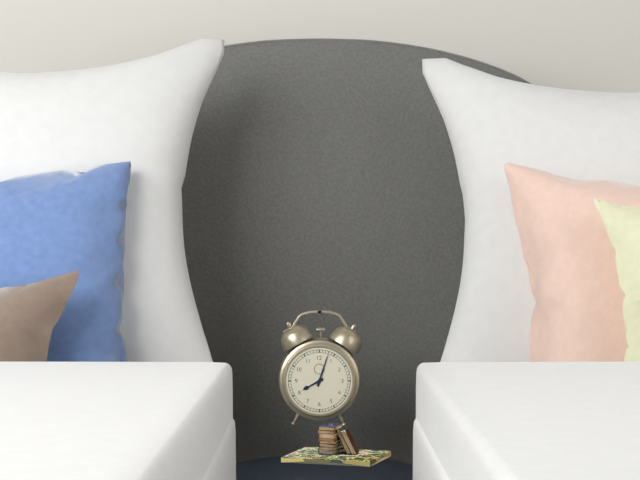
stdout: 8 h 03 min
